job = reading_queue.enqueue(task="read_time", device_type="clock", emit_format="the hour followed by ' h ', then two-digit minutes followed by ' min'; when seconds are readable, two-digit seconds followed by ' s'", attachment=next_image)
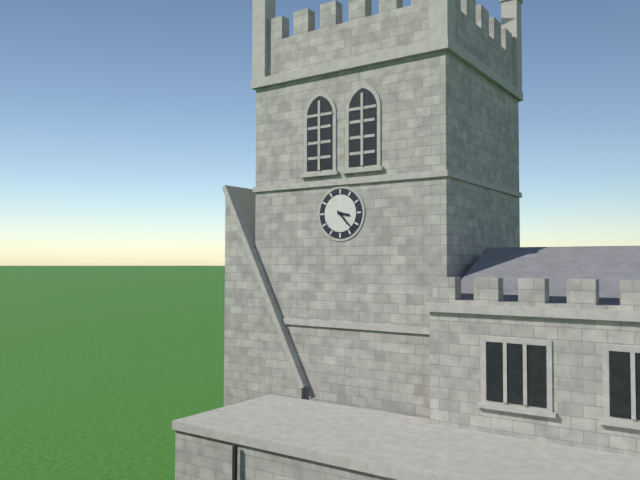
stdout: 3 h 23 min
